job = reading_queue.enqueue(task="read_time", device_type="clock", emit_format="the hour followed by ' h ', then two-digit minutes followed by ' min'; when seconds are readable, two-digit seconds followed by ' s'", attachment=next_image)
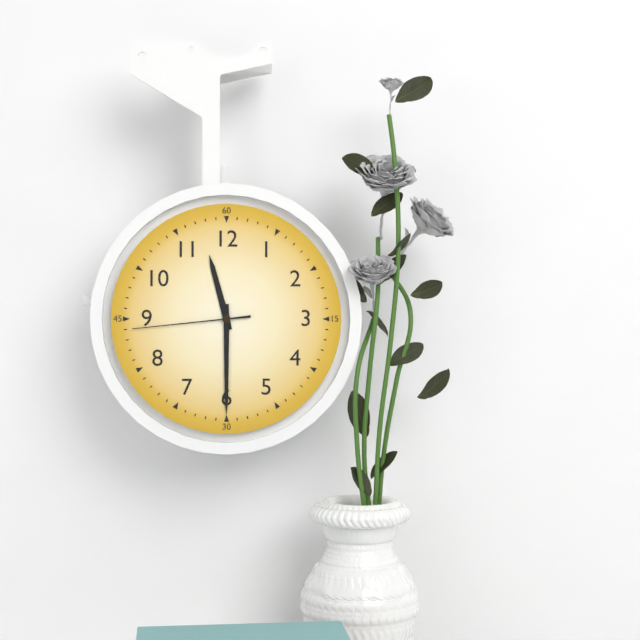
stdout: 11 h 30 min 44 s
